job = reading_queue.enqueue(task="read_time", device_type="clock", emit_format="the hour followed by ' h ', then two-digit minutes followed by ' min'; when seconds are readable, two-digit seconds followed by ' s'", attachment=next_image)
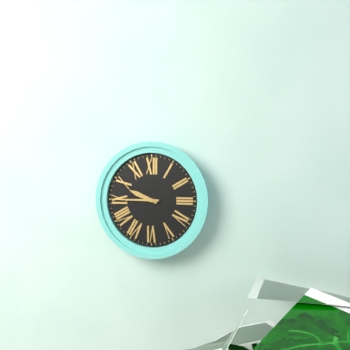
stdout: 9 h 45 min
